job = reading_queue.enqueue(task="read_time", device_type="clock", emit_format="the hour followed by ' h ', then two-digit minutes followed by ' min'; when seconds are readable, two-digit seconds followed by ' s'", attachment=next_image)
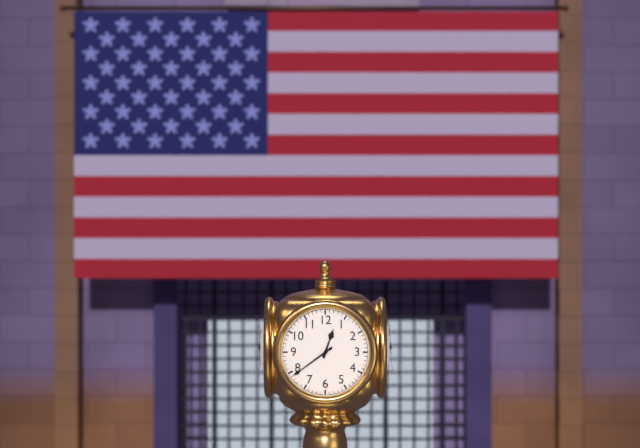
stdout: 12 h 39 min
